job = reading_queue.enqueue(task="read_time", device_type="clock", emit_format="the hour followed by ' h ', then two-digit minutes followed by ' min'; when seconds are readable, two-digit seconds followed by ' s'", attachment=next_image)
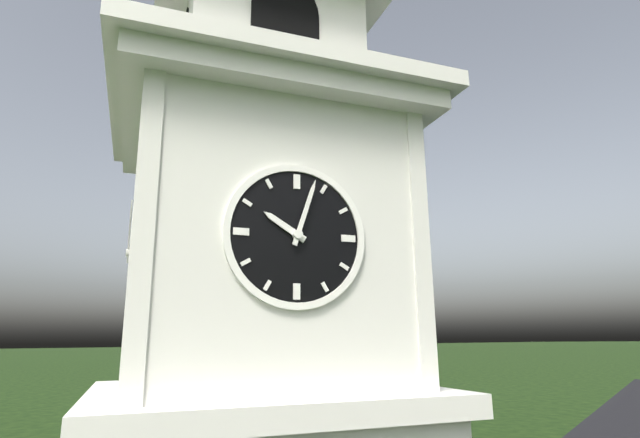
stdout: 10 h 03 min
